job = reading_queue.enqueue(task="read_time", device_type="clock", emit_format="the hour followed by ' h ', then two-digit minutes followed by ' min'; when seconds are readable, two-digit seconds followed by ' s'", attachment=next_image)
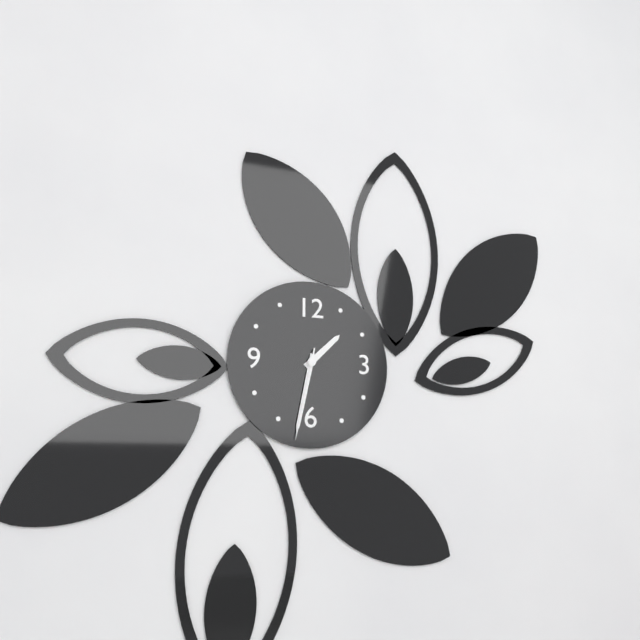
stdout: 1 h 32 min 32 s
